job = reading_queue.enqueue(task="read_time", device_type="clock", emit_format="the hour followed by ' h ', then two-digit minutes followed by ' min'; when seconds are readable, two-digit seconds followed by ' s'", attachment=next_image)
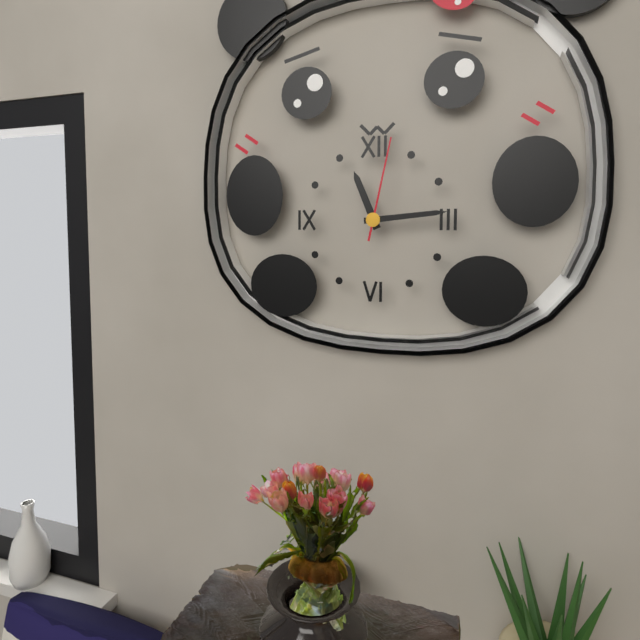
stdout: 11 h 14 min 02 s
